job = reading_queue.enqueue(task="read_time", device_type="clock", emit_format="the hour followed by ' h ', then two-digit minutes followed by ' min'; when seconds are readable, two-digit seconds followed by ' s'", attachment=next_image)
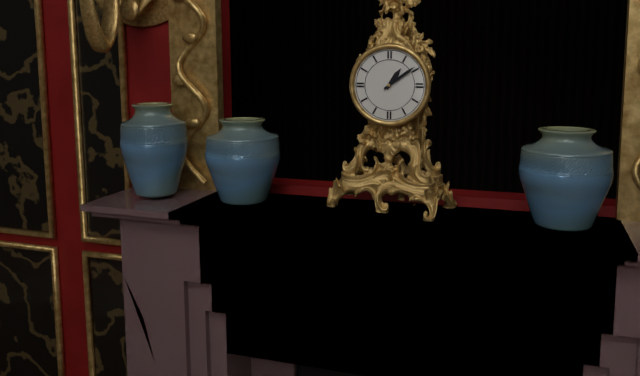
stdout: 1 h 09 min
